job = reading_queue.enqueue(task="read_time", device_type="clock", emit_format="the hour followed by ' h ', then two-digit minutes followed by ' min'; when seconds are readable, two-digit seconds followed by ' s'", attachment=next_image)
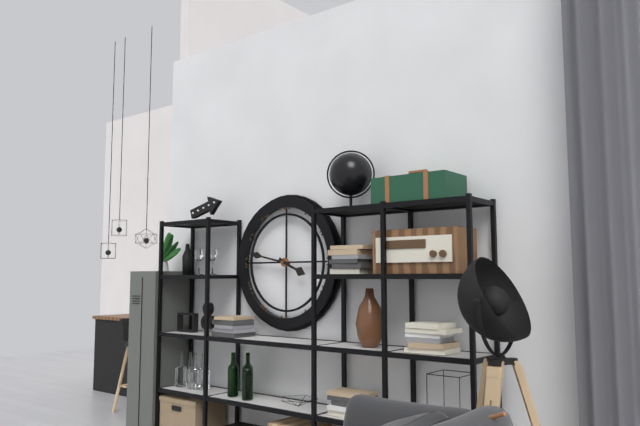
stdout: 3 h 47 min
